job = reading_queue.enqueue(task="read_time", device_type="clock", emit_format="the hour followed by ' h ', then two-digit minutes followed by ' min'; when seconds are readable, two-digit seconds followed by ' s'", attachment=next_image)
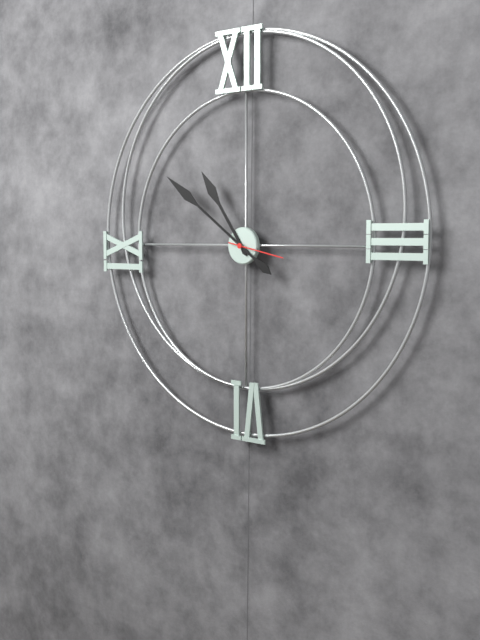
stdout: 10 h 51 min 17 s
